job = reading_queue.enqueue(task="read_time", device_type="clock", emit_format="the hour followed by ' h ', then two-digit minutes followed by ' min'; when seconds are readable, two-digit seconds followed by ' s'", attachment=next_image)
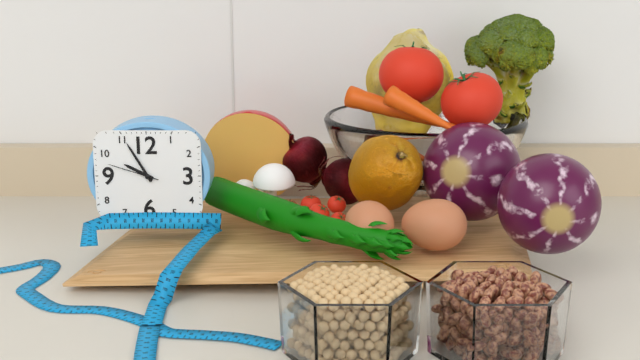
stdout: 9 h 55 min 48 s
